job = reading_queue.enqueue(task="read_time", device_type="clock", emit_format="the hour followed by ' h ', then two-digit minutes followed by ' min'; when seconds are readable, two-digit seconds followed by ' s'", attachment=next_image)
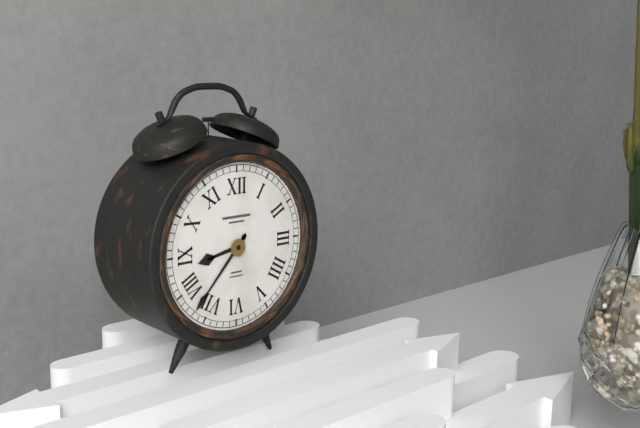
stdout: 8 h 37 min
